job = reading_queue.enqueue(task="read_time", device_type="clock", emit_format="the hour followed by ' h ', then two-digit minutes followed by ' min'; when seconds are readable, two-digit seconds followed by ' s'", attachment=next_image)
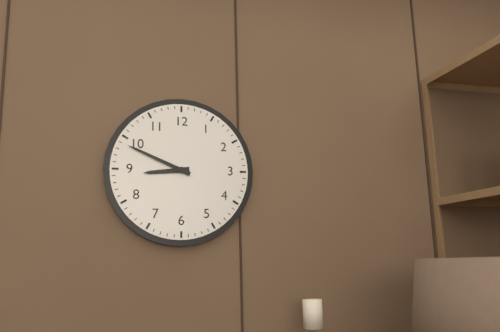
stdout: 8 h 49 min
